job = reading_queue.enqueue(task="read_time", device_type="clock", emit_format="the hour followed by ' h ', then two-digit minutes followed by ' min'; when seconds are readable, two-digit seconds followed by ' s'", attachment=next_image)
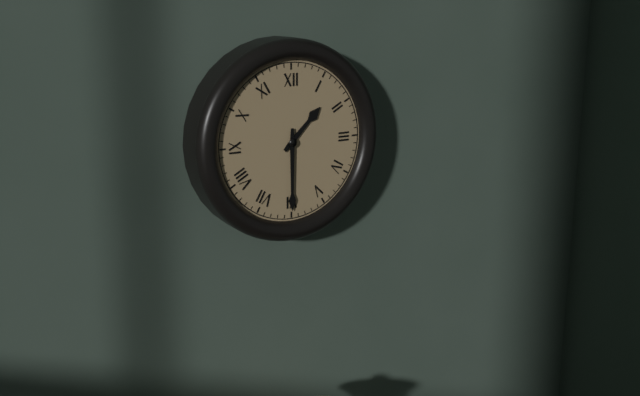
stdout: 1 h 30 min
